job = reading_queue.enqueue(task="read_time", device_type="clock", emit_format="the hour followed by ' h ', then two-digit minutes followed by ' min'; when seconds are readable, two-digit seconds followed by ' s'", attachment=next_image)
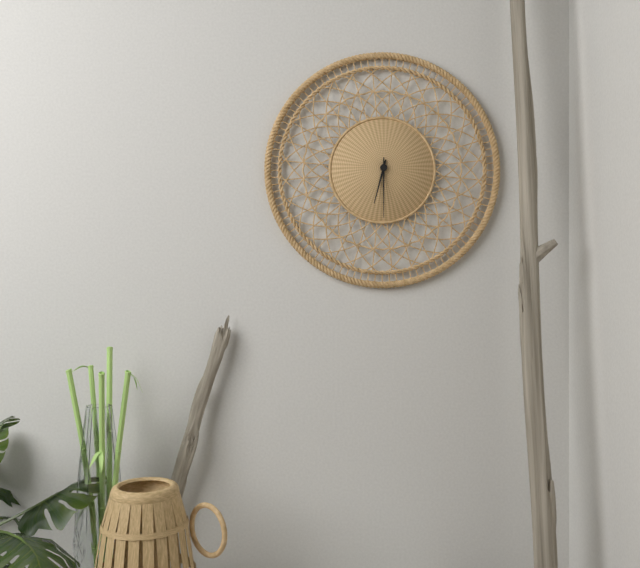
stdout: 6 h 30 min
